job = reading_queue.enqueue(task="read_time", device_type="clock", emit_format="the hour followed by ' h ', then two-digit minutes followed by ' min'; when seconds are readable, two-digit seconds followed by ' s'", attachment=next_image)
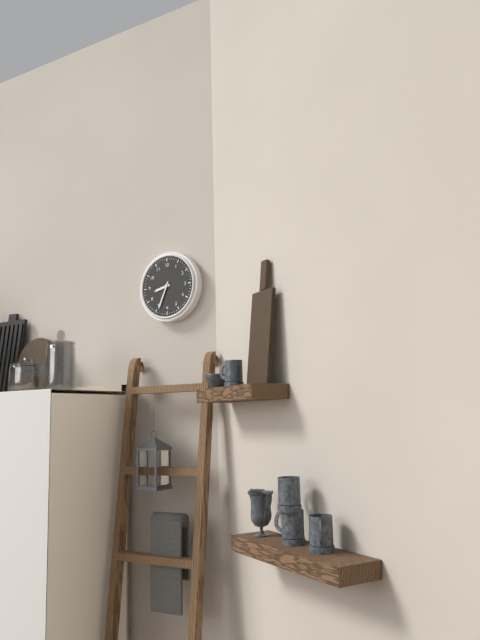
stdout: 8 h 34 min
